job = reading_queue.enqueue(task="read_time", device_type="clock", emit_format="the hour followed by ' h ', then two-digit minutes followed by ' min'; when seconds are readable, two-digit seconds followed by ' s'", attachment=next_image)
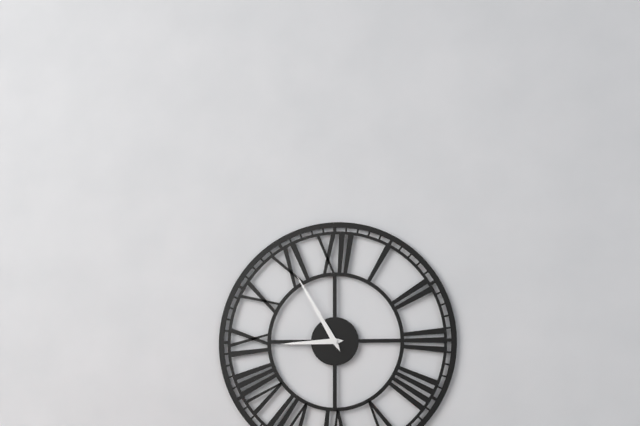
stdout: 8 h 55 min
